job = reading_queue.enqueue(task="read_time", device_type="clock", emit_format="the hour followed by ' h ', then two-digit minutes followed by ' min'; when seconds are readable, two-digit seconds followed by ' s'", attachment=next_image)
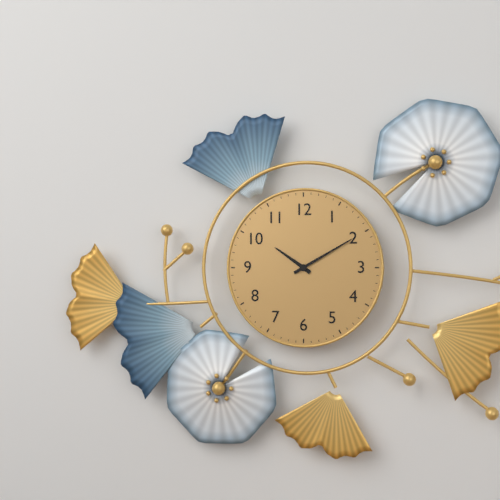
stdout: 10 h 10 min
